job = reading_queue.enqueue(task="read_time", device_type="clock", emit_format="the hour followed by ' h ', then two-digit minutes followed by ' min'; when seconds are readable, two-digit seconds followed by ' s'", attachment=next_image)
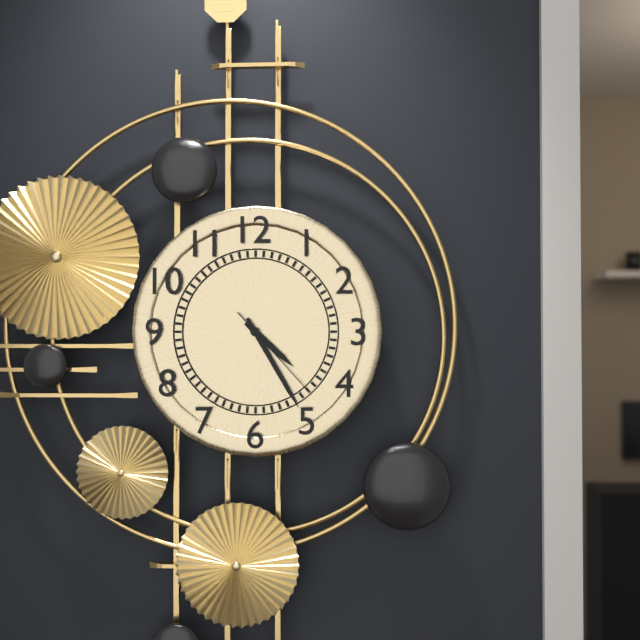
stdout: 4 h 25 min 23 s
